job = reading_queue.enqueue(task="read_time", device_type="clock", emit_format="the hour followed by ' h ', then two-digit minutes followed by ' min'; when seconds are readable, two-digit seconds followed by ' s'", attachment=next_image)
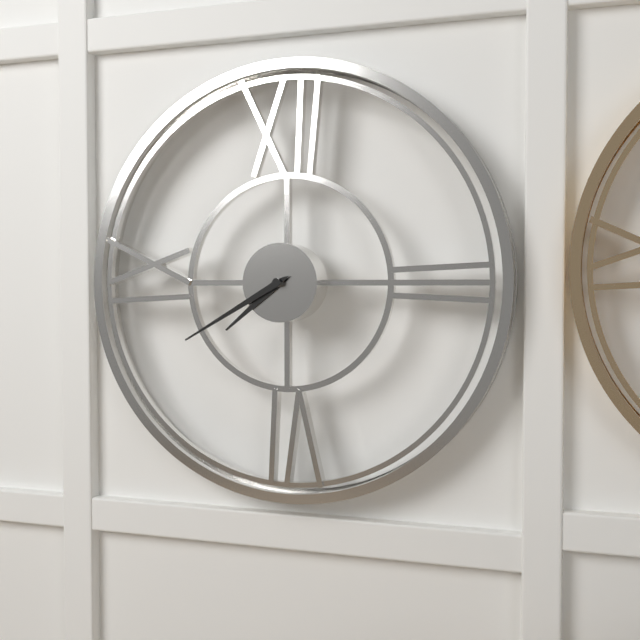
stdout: 7 h 40 min
